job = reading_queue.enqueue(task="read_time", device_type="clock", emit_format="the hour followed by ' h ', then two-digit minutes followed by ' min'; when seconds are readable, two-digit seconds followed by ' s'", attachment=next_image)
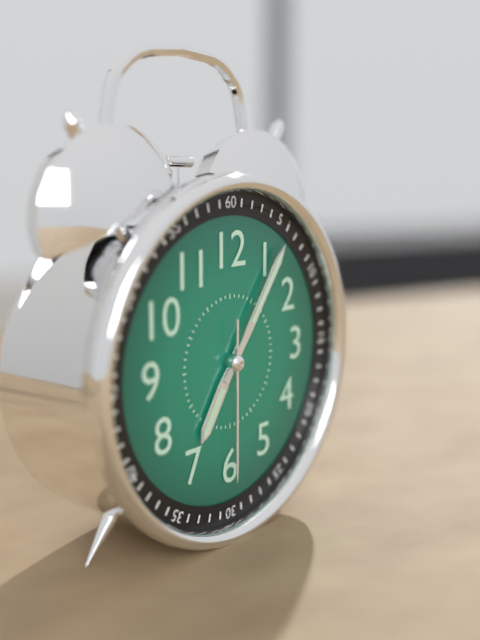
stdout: 7 h 06 min 30 s
